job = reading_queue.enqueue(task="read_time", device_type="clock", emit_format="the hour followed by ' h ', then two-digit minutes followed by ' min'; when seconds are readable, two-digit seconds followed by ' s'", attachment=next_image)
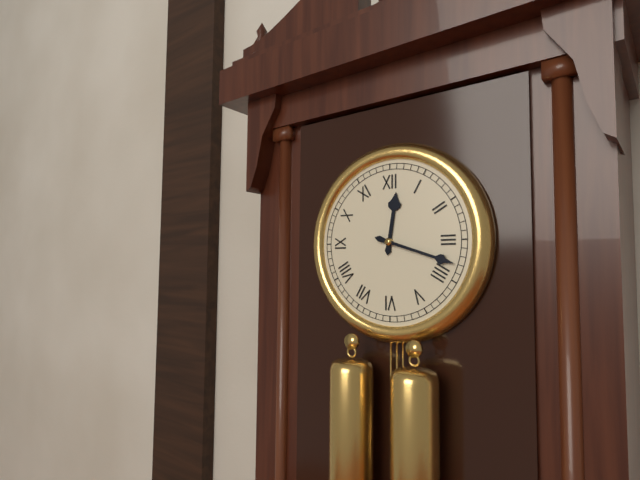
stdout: 12 h 18 min
